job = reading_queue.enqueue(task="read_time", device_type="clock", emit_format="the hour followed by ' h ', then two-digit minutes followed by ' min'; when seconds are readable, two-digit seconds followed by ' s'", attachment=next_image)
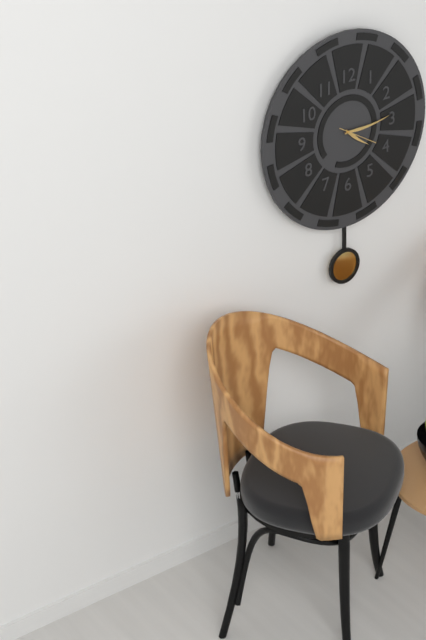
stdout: 4 h 14 min
